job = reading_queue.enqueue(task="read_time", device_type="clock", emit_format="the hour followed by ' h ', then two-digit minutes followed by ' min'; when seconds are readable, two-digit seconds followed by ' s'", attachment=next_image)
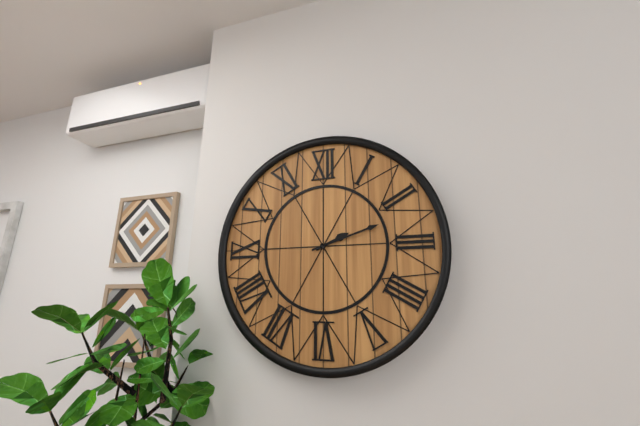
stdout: 2 h 12 min
